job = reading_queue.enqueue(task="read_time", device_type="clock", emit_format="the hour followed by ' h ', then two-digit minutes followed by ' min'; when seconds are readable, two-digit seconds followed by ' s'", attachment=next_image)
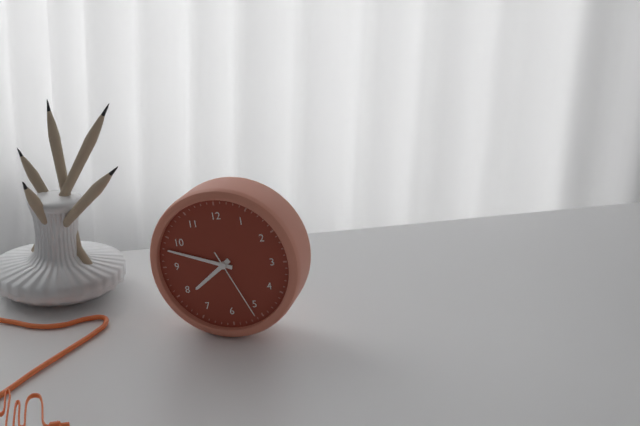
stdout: 7 h 48 min 26 s
